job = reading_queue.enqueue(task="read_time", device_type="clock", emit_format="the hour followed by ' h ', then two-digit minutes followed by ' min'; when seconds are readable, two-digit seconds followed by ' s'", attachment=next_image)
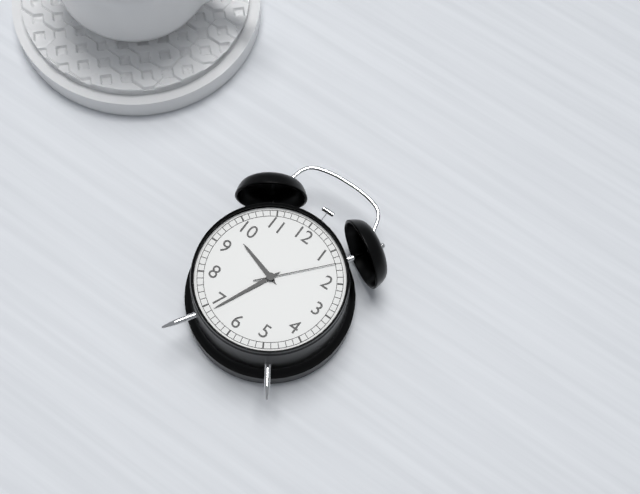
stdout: 9 h 34 min 07 s
